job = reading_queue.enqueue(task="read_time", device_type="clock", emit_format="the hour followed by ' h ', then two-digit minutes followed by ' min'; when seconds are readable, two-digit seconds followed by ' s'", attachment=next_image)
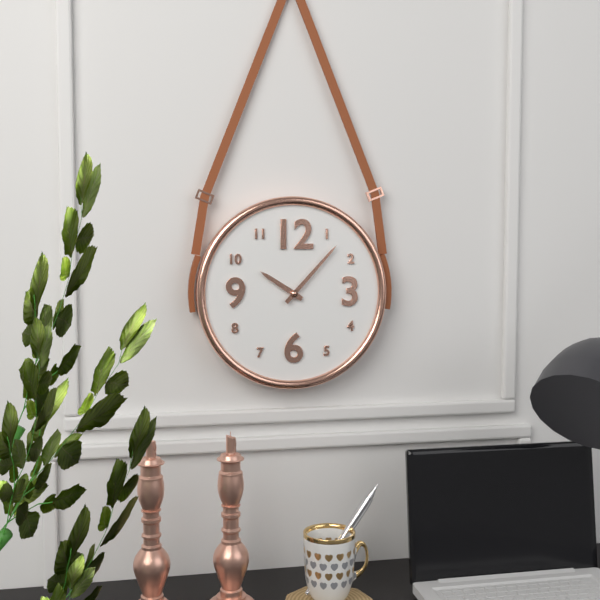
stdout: 10 h 07 min
